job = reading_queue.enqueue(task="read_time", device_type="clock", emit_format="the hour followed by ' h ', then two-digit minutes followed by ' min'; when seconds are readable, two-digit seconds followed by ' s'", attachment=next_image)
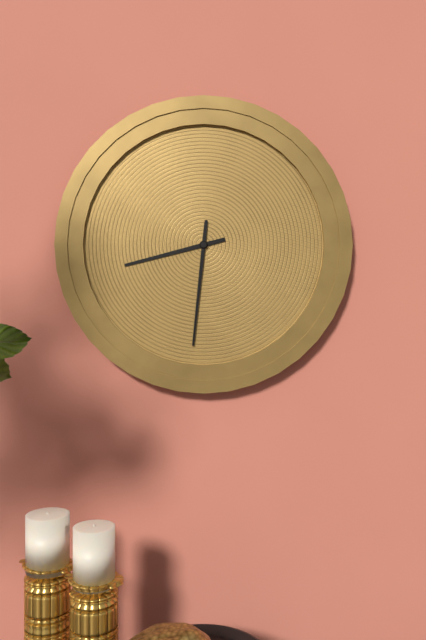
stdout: 8 h 31 min
